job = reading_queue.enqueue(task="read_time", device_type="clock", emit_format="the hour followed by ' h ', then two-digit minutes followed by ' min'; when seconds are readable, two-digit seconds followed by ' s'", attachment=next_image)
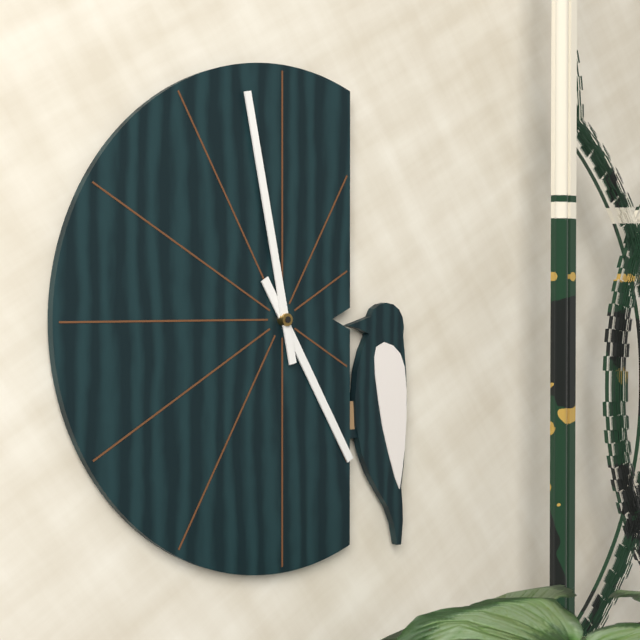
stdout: 4 h 58 min
